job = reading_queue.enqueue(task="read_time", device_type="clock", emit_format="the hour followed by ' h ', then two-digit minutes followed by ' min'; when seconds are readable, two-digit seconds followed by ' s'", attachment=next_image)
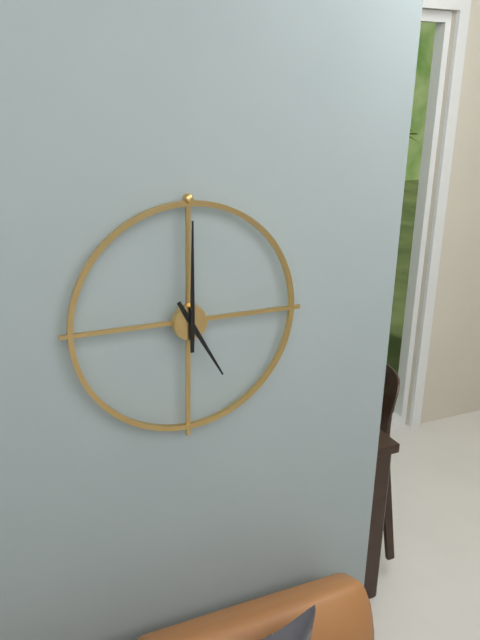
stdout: 5 h 00 min
